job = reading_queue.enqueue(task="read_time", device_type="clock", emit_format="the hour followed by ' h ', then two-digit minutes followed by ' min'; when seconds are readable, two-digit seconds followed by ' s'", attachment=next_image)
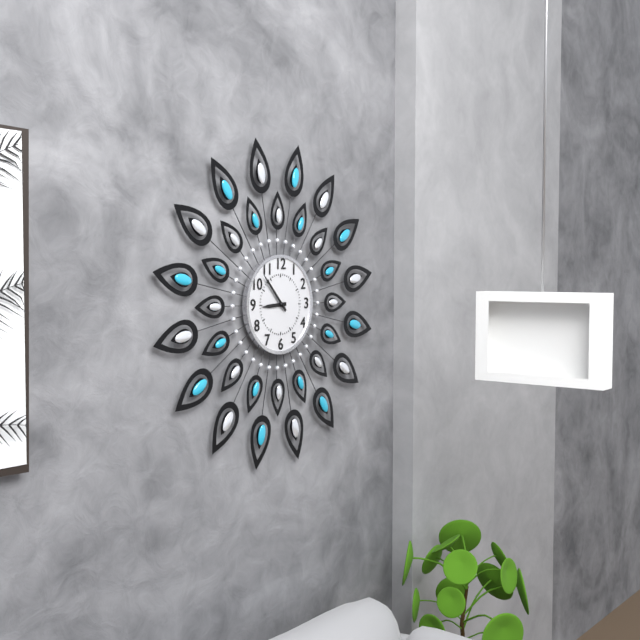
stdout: 8 h 53 min
